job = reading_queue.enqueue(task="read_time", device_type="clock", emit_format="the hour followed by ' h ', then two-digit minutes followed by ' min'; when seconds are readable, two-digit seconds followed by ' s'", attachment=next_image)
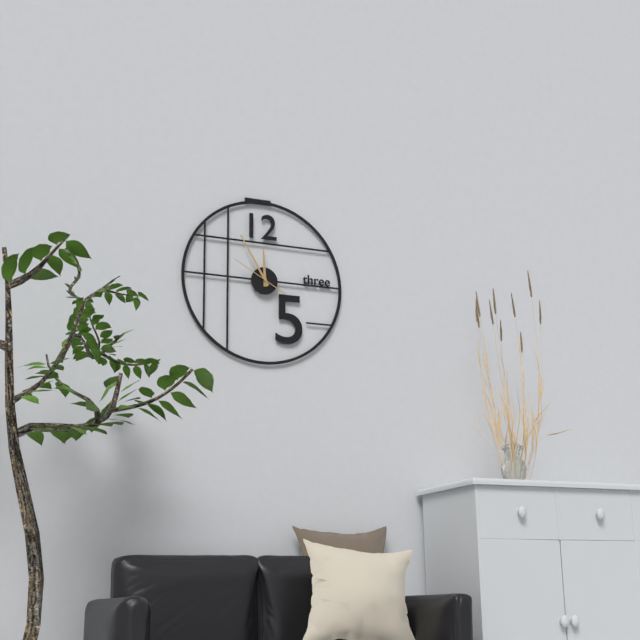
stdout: 11 h 55 min
